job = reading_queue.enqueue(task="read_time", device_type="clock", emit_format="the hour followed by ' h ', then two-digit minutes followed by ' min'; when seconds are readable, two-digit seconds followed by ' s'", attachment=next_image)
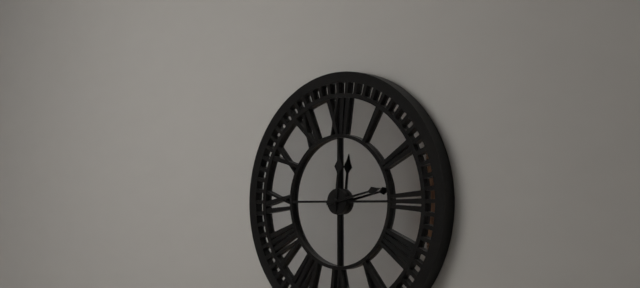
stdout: 12 h 13 min
